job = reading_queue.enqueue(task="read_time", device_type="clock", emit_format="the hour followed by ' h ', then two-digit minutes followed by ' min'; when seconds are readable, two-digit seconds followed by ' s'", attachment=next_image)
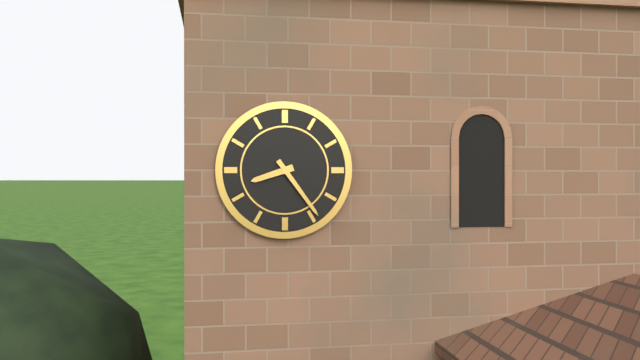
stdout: 8 h 24 min
